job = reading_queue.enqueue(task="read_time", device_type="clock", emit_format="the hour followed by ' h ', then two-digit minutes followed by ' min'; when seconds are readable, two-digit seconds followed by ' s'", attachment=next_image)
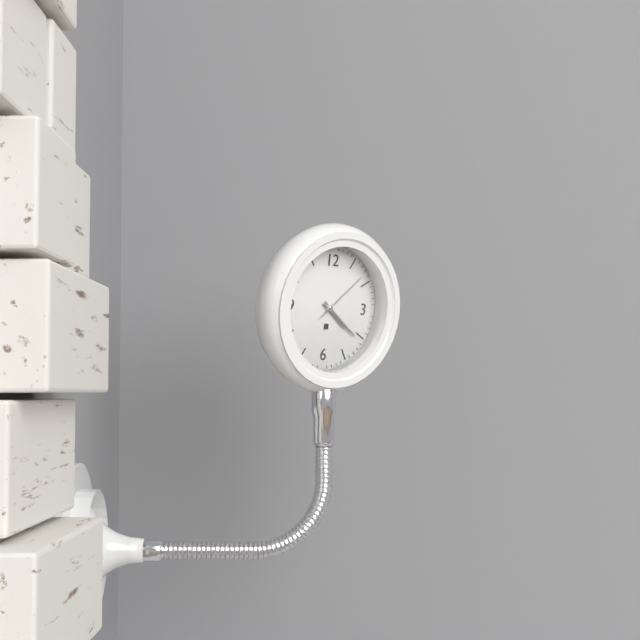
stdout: 4 h 21 min 08 s
